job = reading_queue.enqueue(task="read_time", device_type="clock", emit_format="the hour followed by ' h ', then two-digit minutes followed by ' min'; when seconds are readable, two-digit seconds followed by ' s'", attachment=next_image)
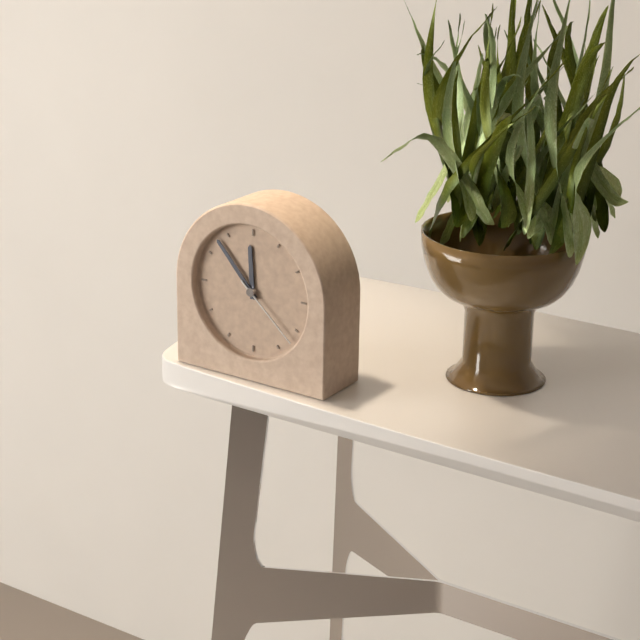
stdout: 11 h 53 min 22 s
